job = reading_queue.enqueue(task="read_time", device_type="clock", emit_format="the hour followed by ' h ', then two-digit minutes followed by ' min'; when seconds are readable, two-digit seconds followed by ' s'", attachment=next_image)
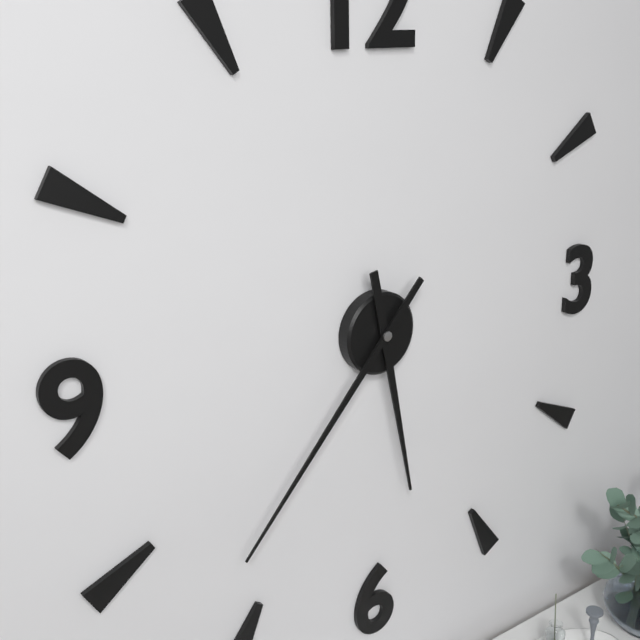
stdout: 5 h 37 min
